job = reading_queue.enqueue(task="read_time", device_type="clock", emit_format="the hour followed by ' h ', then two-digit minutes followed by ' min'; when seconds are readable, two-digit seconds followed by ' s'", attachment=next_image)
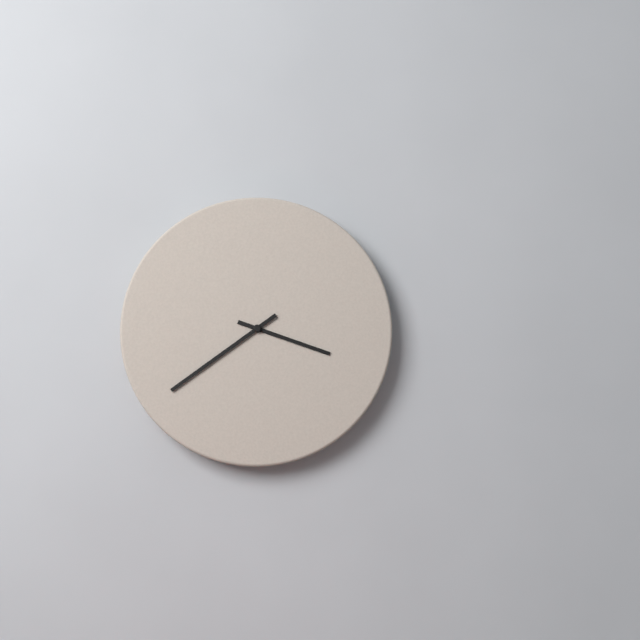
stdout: 3 h 39 min
